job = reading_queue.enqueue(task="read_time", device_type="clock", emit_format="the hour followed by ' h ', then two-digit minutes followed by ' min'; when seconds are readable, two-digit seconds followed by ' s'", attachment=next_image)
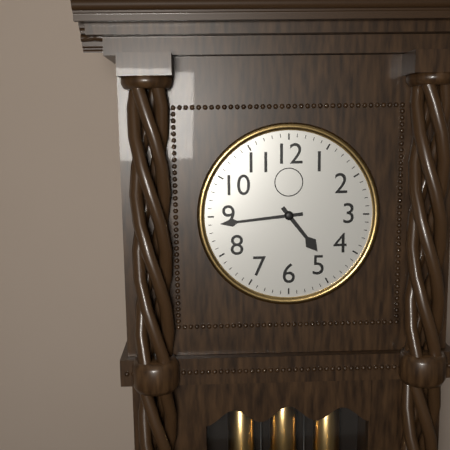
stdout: 4 h 44 min
